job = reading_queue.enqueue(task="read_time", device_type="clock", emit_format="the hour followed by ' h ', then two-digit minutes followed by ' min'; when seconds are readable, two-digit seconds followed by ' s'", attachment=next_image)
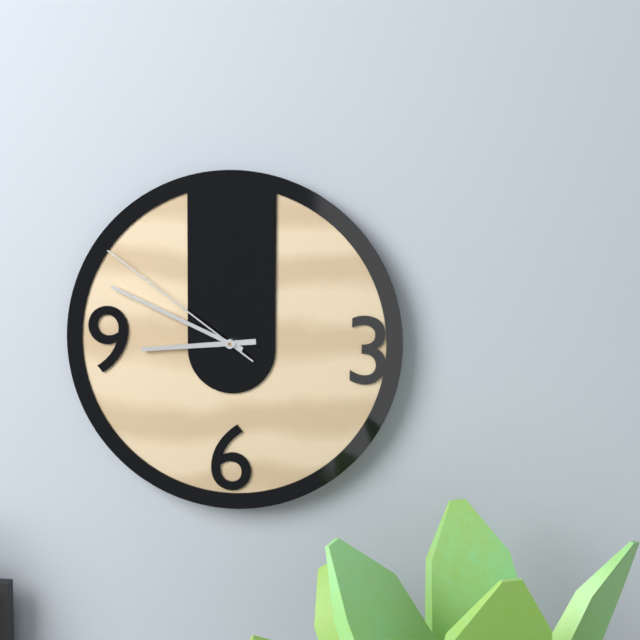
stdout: 8 h 49 min 51 s
